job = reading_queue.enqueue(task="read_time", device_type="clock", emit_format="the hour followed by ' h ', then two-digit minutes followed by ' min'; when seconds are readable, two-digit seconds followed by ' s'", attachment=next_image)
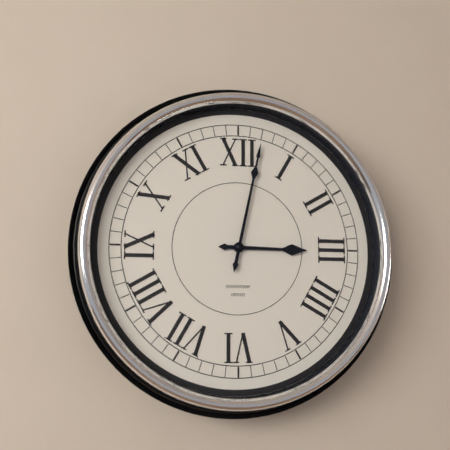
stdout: 3 h 02 min
